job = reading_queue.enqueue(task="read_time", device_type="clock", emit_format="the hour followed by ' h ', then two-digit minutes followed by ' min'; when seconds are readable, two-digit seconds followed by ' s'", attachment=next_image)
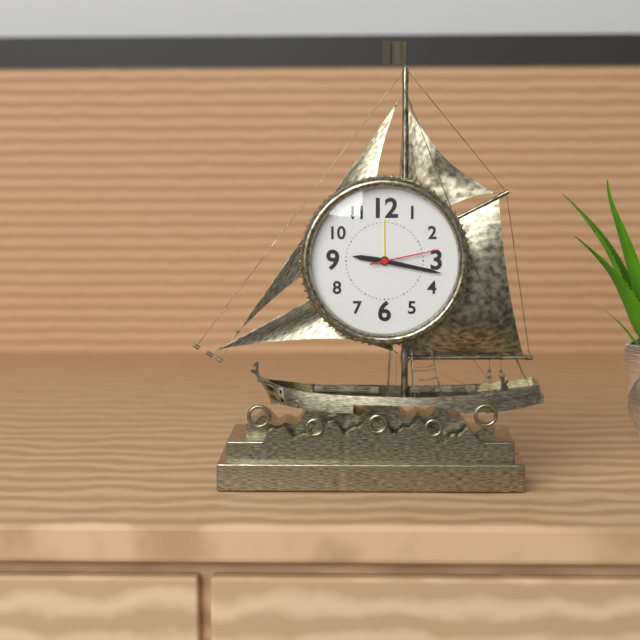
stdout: 9 h 17 min 13 s
